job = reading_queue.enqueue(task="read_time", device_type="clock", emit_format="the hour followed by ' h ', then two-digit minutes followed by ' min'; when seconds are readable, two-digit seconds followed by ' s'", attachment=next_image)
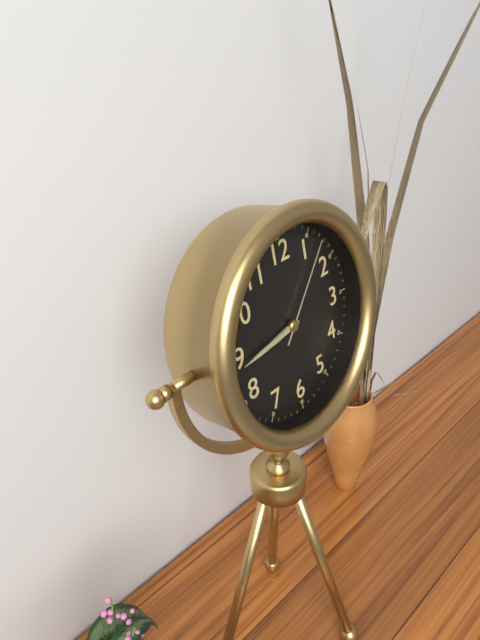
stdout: 8 h 44 min 07 s
